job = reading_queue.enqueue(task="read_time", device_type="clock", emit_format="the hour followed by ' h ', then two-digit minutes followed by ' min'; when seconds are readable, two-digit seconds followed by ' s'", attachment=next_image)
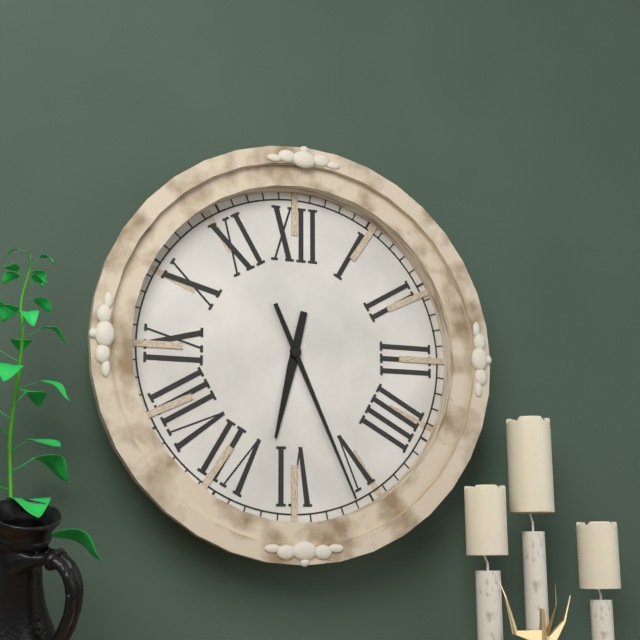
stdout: 6 h 26 min
